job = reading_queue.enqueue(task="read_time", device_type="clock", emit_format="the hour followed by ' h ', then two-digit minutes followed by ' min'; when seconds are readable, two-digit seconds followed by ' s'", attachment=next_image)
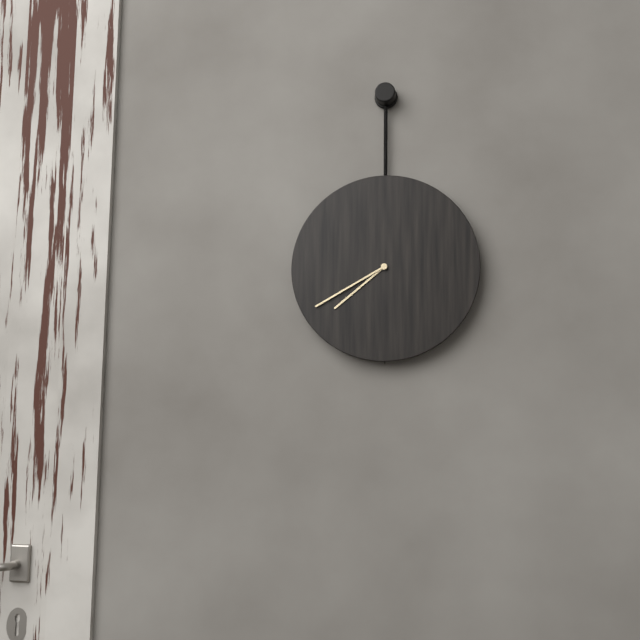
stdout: 7 h 40 min
